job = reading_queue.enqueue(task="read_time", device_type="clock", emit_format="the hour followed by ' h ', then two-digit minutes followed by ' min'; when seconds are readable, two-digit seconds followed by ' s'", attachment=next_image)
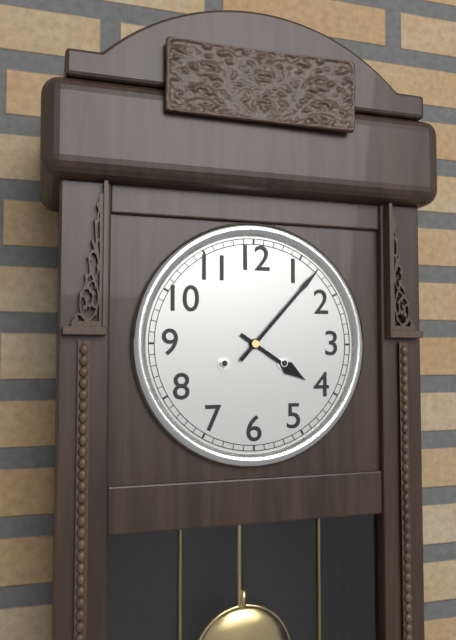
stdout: 4 h 07 min
